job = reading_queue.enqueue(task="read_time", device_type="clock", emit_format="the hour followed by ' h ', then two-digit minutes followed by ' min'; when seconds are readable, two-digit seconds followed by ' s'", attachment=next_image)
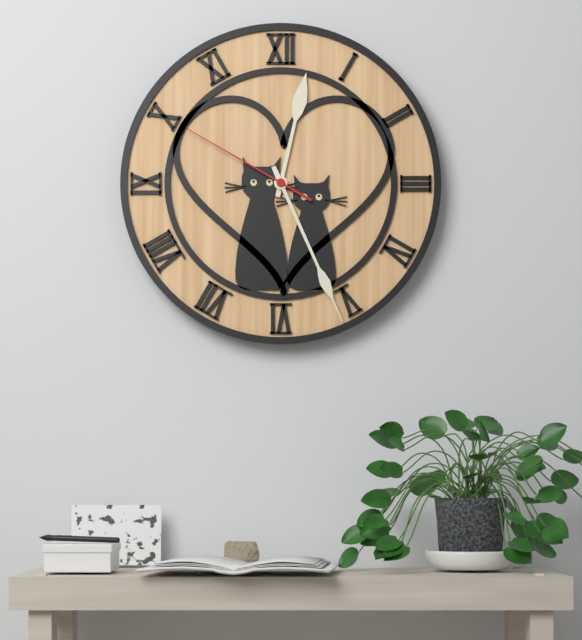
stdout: 12 h 26 min 50 s
